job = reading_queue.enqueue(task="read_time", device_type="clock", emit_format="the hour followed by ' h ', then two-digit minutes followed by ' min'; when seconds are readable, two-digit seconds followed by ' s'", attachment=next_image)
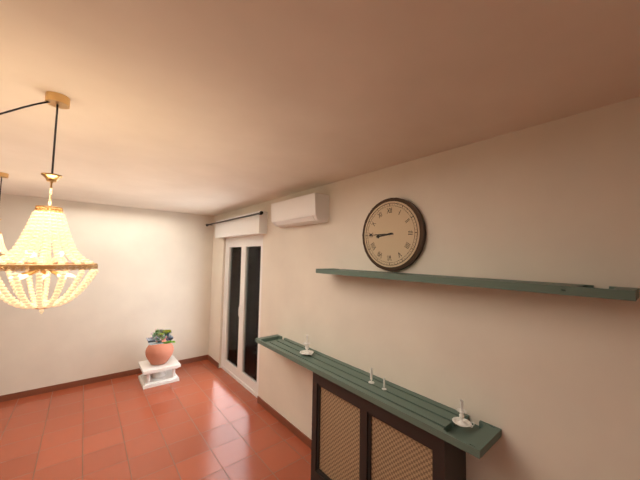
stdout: 8 h 45 min
